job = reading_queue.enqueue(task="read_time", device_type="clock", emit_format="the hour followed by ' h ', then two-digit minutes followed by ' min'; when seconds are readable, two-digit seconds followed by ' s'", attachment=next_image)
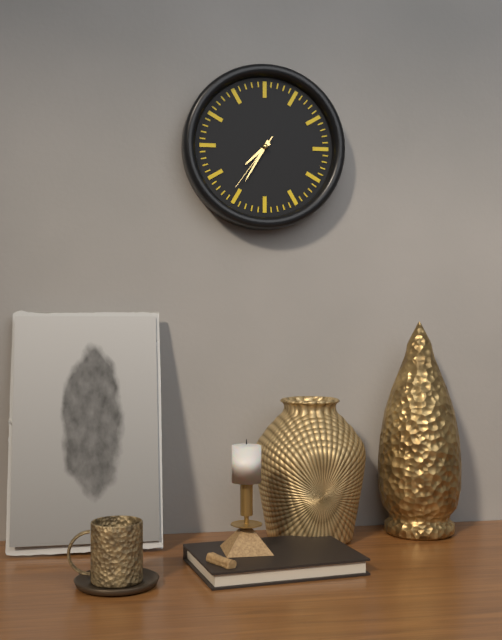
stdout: 7 h 35 min 36 s
